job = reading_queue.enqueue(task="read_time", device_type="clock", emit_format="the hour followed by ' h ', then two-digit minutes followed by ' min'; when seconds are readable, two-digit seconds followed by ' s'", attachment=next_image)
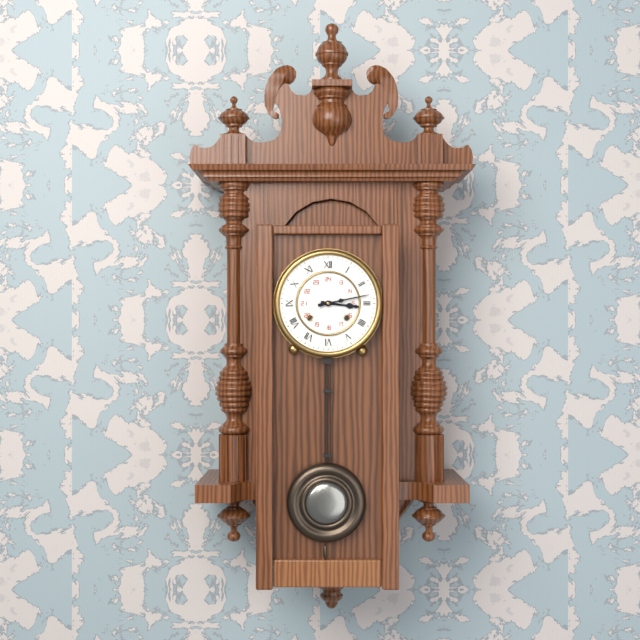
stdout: 3 h 13 min
